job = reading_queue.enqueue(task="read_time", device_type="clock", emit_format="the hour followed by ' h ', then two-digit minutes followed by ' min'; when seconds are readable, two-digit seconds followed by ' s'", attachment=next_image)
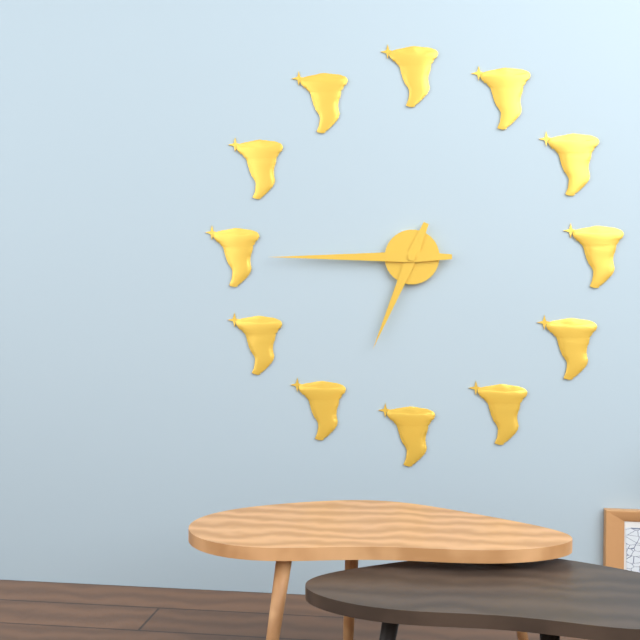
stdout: 6 h 45 min
